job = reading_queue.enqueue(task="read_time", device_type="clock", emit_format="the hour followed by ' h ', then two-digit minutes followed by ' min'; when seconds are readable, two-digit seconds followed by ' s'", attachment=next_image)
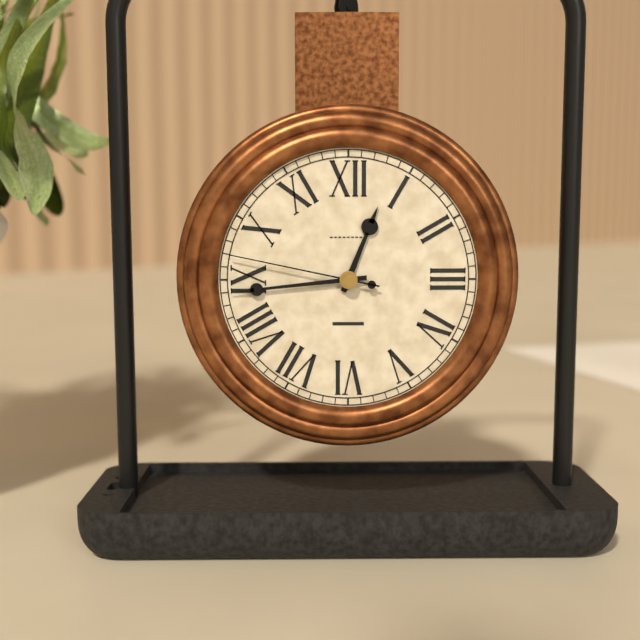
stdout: 12 h 44 min 47 s
